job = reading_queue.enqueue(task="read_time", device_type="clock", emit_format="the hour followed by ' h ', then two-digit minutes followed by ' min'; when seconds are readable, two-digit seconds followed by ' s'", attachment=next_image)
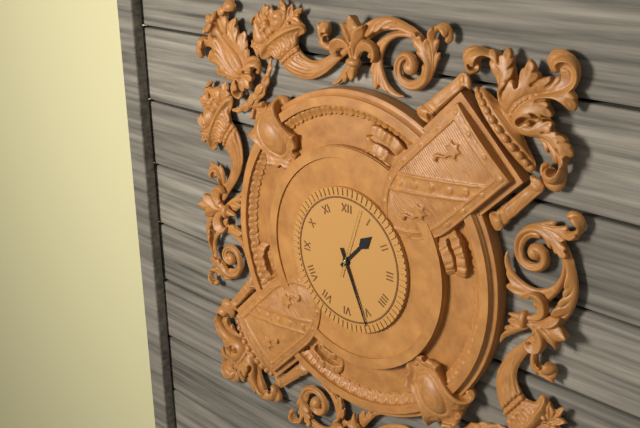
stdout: 1 h 26 min 03 s
